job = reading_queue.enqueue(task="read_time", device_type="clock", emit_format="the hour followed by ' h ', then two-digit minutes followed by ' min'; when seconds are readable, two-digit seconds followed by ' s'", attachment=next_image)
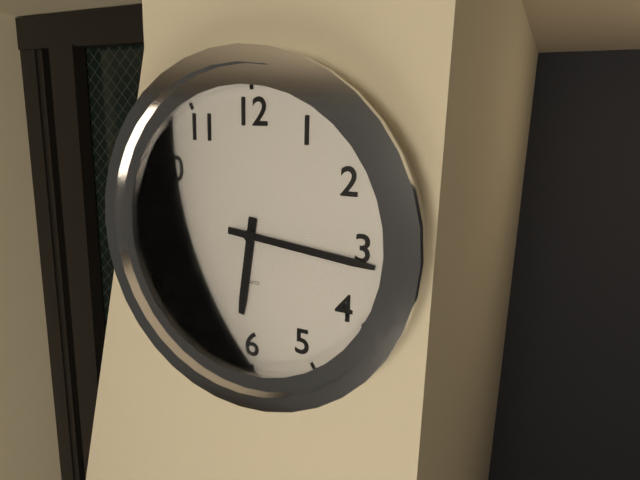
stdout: 6 h 16 min
